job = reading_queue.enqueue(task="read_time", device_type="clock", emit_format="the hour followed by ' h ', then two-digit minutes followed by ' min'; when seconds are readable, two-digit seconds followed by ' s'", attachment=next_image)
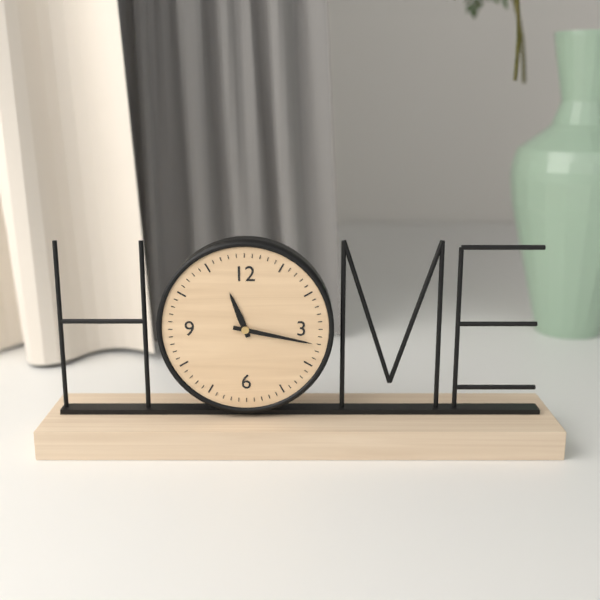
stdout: 11 h 17 min
